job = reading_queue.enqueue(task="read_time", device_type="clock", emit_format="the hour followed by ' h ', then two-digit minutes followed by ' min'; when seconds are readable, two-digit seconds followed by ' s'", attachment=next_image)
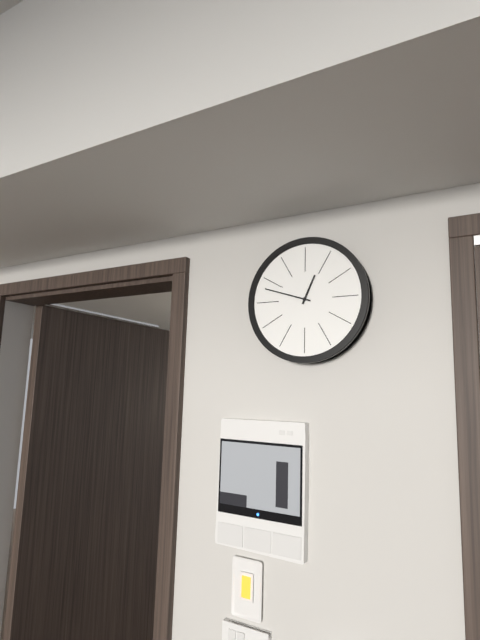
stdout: 12 h 48 min
